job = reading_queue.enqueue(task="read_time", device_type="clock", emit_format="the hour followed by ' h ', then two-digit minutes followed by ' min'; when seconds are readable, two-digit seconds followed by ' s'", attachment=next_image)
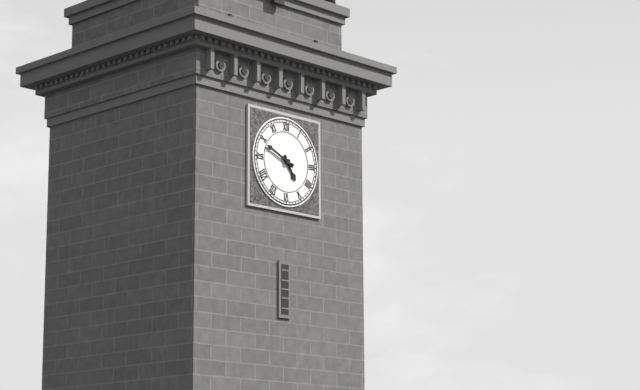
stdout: 4 h 49 min
